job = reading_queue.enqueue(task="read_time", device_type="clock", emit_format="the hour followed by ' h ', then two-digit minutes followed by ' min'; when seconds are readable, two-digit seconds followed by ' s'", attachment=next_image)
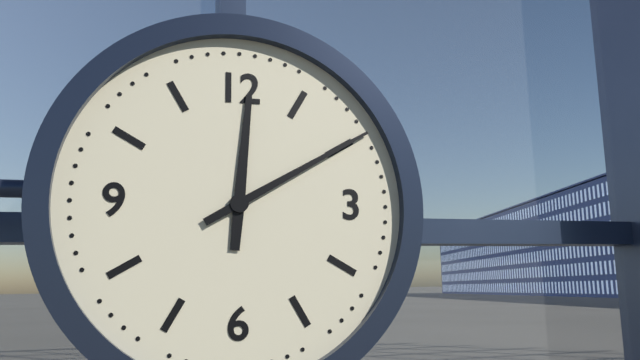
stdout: 12 h 10 min
